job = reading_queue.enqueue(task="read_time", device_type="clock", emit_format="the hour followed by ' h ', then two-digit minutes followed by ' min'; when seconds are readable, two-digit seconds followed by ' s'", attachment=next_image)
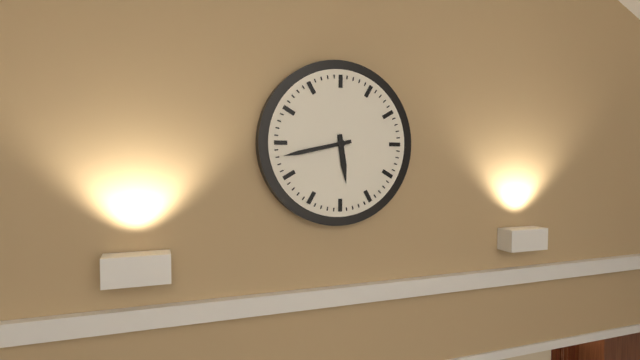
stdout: 5 h 43 min
